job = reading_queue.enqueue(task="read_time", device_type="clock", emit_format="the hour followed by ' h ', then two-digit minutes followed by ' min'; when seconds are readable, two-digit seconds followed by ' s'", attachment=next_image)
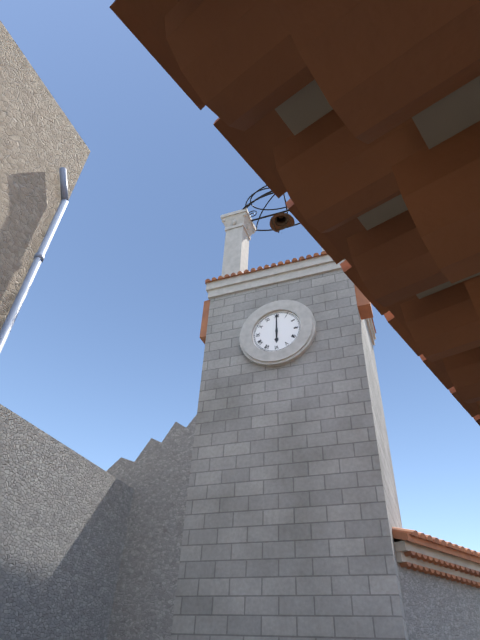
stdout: 6 h 00 min
